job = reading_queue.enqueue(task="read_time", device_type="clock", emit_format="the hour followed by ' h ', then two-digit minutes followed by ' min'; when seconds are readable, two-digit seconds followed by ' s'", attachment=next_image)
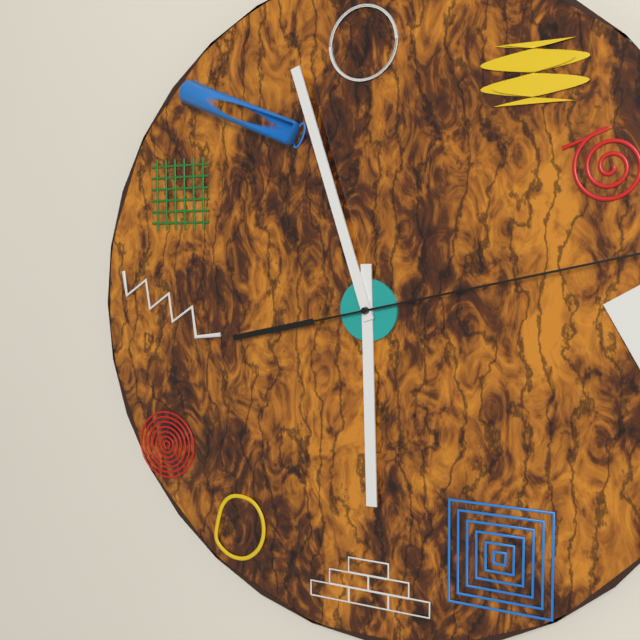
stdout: 5 h 57 min
